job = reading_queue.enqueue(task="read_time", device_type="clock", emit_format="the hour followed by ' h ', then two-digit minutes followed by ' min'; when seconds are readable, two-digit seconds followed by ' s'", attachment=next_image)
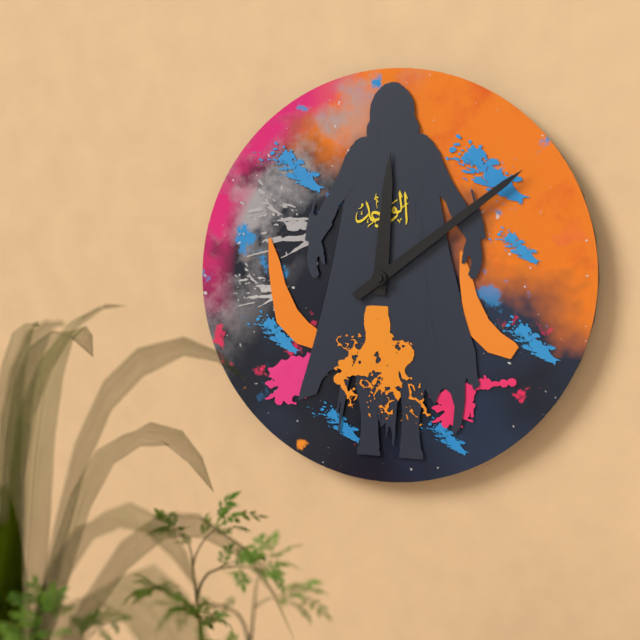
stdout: 12 h 09 min
